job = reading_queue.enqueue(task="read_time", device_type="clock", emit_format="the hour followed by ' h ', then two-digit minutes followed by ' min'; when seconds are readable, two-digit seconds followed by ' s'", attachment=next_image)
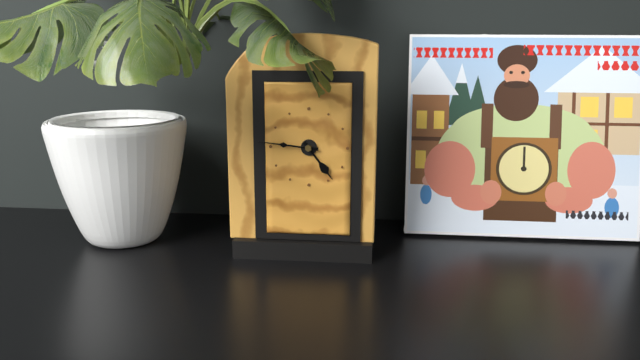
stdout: 4 h 46 min
